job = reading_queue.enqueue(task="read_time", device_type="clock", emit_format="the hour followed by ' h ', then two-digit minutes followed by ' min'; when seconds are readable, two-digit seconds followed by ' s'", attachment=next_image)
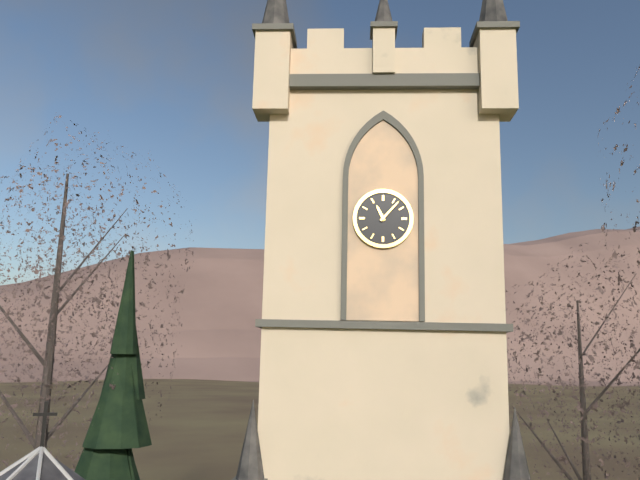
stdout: 11 h 07 min
